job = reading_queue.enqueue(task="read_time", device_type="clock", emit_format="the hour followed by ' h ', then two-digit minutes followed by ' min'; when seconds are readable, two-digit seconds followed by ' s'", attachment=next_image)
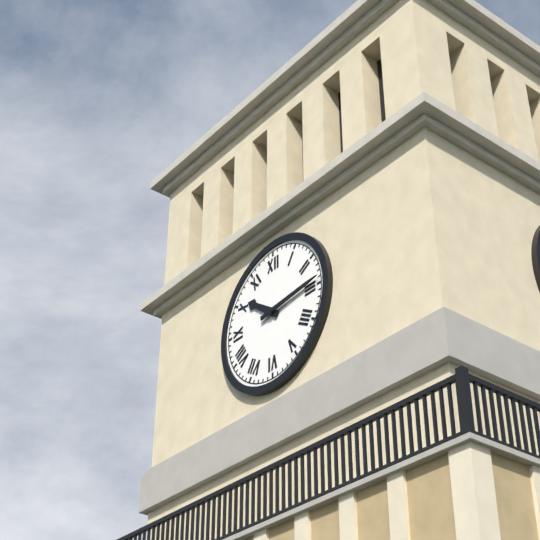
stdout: 10 h 14 min
